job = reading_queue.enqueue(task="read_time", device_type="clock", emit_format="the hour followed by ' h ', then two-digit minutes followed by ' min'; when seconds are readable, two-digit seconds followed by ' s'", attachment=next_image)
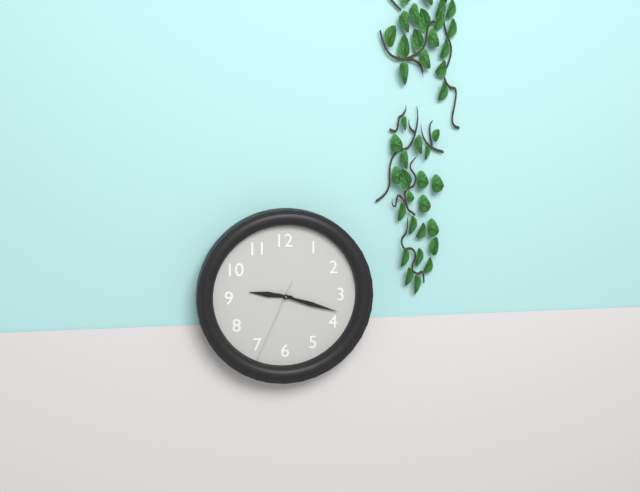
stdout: 9 h 18 min 34 s
